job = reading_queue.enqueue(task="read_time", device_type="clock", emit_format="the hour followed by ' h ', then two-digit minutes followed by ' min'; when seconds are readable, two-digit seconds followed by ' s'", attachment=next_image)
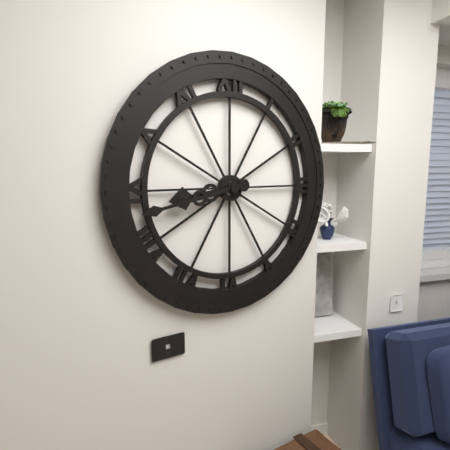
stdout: 8 h 43 min
